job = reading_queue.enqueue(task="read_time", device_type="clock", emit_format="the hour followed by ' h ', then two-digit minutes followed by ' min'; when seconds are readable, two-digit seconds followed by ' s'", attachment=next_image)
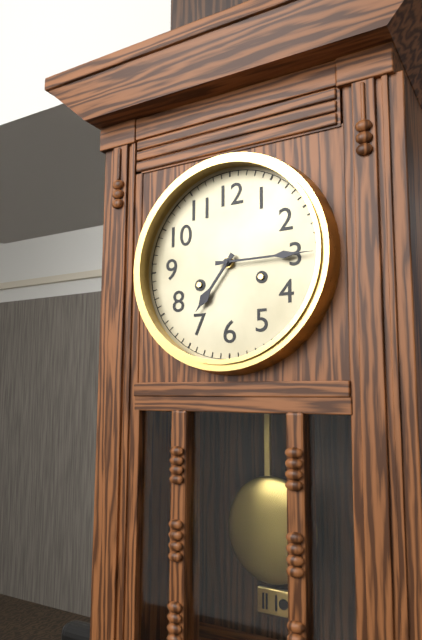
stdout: 7 h 15 min
